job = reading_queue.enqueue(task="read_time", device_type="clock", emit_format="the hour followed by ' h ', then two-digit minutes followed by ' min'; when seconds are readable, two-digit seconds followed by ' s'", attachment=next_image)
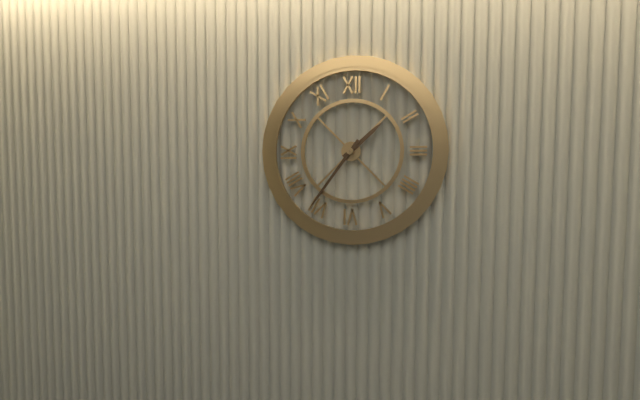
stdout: 1 h 36 min
